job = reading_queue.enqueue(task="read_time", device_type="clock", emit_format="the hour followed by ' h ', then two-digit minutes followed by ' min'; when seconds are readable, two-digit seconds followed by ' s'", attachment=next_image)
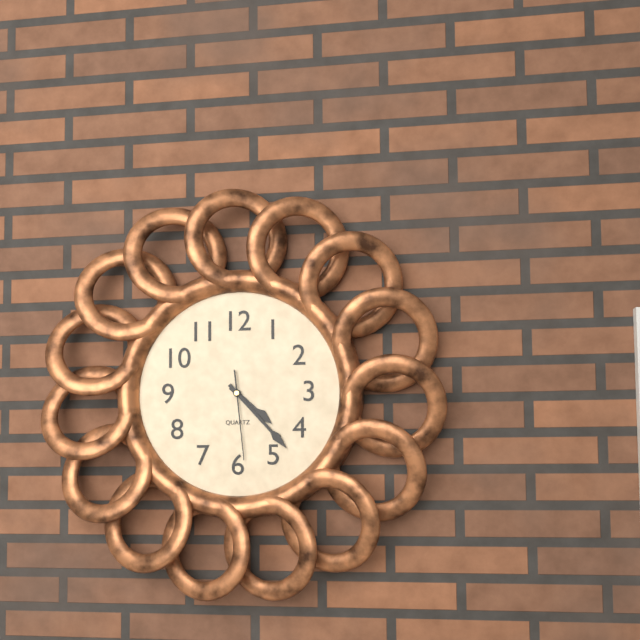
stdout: 4 h 23 min 29 s
